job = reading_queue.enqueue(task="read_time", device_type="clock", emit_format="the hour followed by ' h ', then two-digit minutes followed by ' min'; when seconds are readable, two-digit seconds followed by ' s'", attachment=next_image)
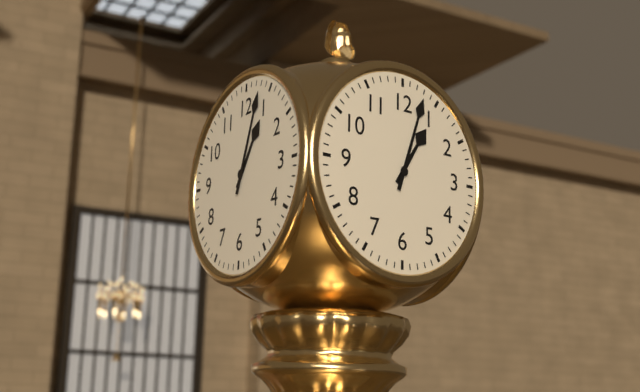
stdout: 1 h 03 min
